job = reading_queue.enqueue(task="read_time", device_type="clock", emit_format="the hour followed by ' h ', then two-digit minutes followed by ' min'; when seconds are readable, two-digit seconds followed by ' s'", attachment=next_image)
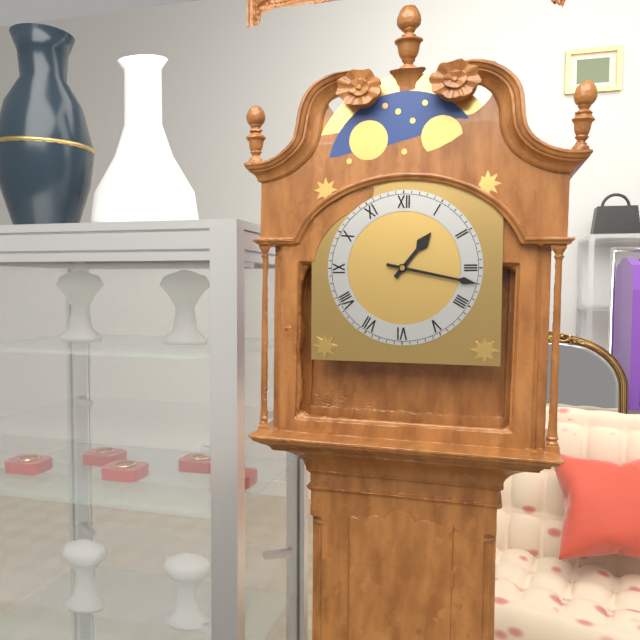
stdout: 1 h 17 min
